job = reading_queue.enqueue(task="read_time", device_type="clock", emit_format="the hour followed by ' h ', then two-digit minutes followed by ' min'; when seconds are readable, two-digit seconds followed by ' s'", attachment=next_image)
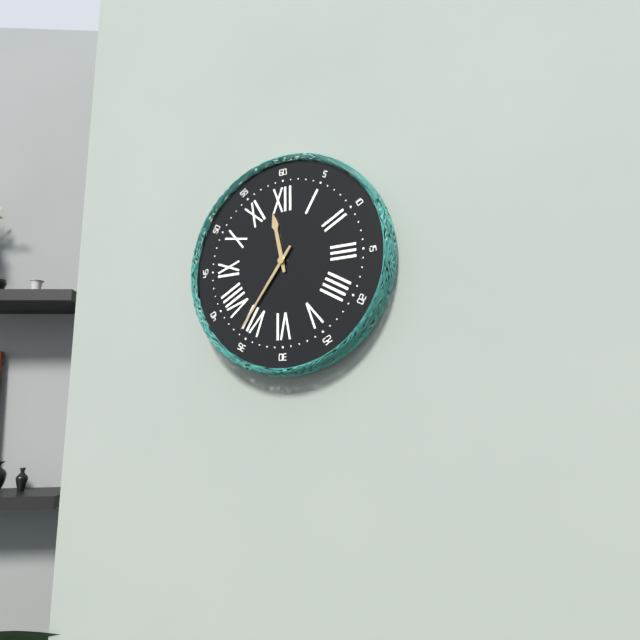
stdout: 11 h 36 min
